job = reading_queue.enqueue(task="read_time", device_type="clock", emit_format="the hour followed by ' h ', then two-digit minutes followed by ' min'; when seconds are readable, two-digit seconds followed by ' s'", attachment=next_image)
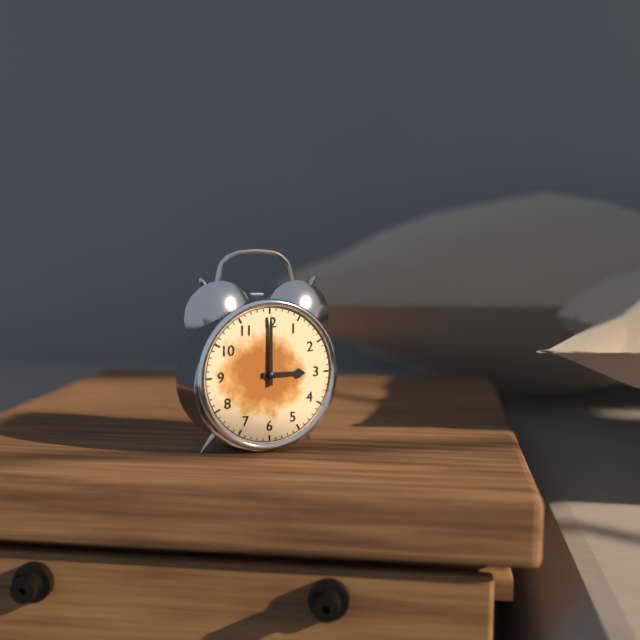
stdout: 3 h 00 min
